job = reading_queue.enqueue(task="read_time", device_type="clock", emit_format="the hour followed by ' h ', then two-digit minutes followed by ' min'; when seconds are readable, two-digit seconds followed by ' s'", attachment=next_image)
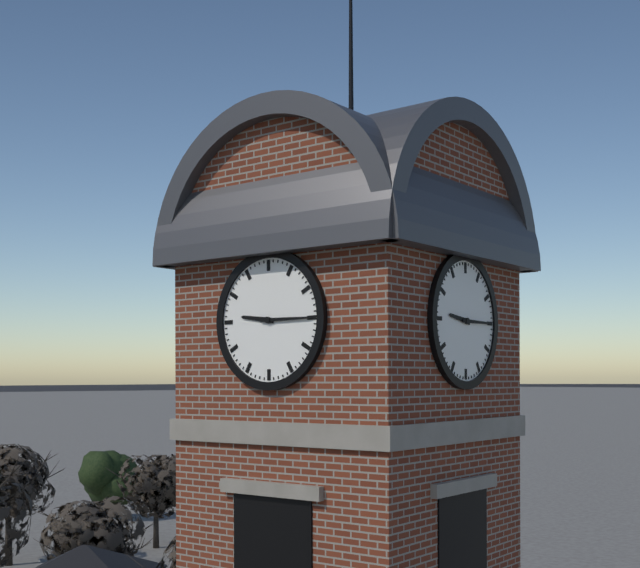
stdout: 9 h 15 min
